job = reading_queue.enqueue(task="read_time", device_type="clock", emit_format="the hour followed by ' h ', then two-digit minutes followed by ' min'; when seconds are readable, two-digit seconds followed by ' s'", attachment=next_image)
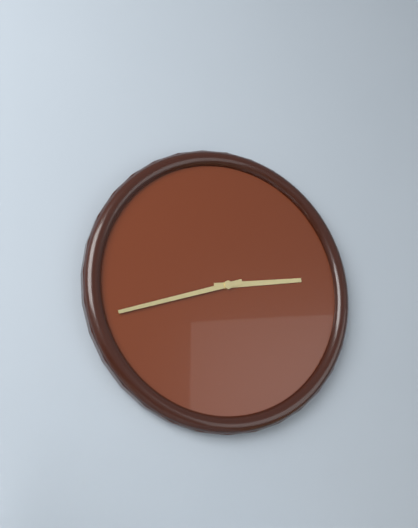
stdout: 2 h 42 min
